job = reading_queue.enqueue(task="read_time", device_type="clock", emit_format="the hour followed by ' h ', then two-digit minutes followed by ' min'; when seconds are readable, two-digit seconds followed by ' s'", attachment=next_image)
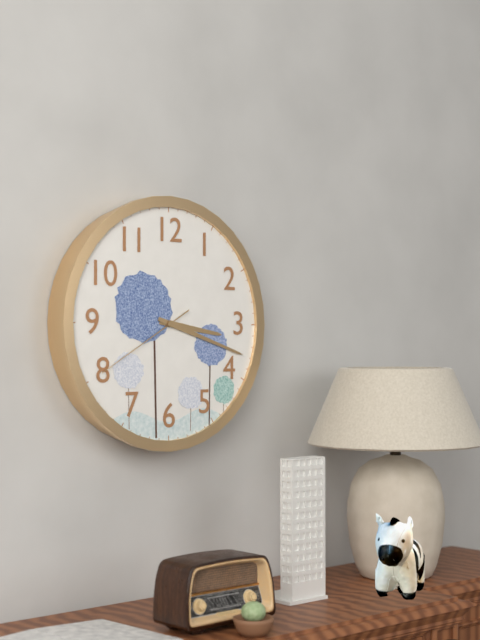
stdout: 3 h 18 min 40 s
